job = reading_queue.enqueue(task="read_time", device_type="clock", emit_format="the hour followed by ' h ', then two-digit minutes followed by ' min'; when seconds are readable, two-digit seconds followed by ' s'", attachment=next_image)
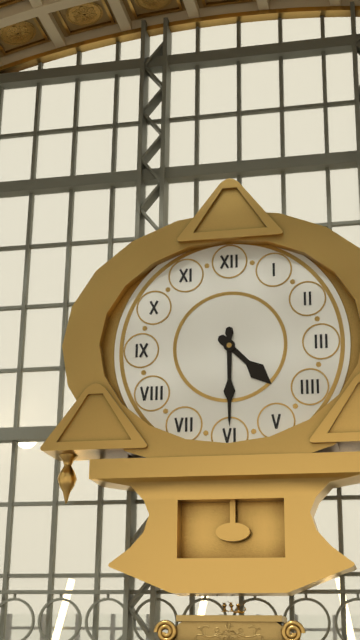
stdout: 4 h 30 min
